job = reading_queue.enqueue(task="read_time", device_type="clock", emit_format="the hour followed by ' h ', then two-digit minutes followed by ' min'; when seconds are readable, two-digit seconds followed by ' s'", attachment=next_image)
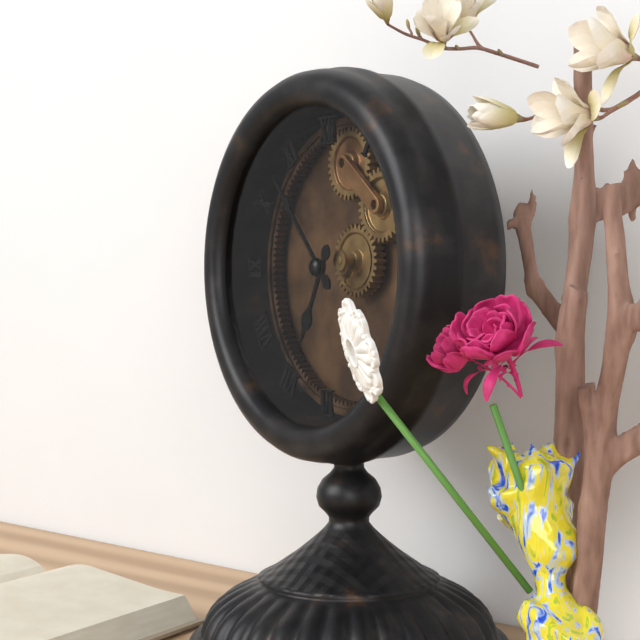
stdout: 6 h 53 min
